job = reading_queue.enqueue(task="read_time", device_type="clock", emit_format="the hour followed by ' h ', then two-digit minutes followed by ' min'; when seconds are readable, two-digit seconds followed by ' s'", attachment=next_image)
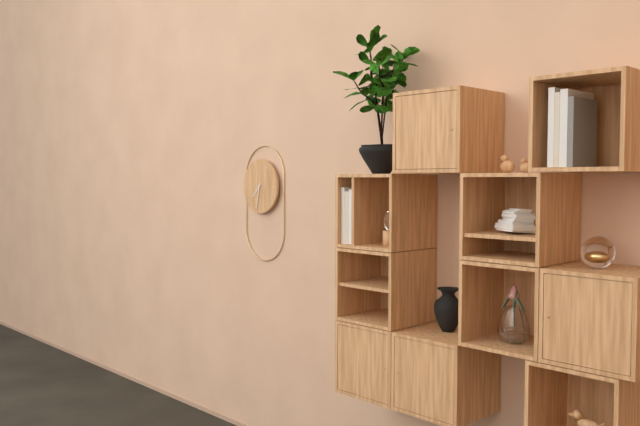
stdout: 7 h 32 min
